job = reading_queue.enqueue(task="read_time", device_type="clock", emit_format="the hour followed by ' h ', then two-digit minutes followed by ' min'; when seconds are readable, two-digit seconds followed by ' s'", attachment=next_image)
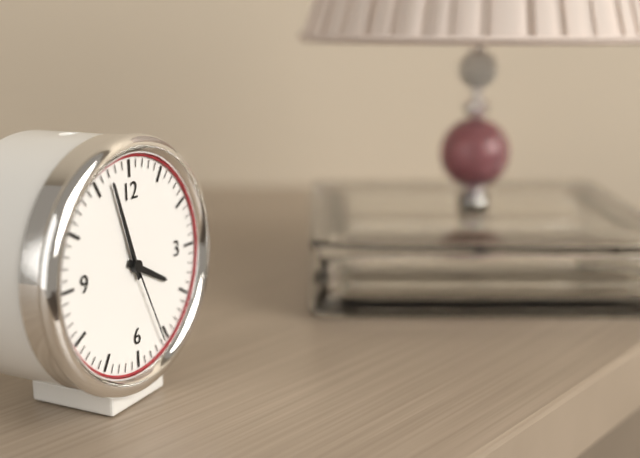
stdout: 3 h 57 min 26 s
